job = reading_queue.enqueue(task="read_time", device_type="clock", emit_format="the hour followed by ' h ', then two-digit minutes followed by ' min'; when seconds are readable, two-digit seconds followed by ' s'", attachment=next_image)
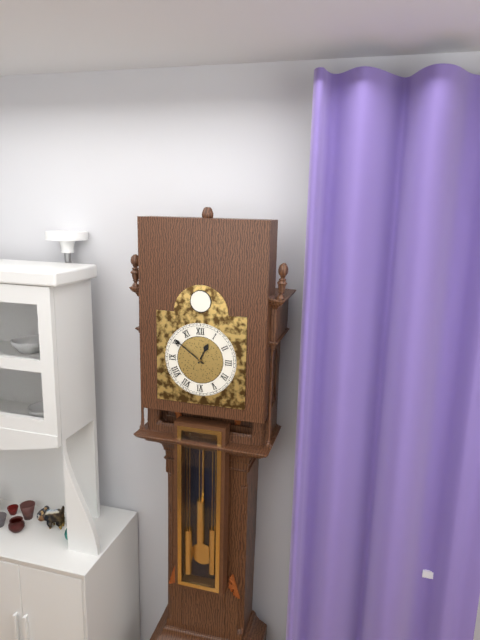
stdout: 12 h 51 min
